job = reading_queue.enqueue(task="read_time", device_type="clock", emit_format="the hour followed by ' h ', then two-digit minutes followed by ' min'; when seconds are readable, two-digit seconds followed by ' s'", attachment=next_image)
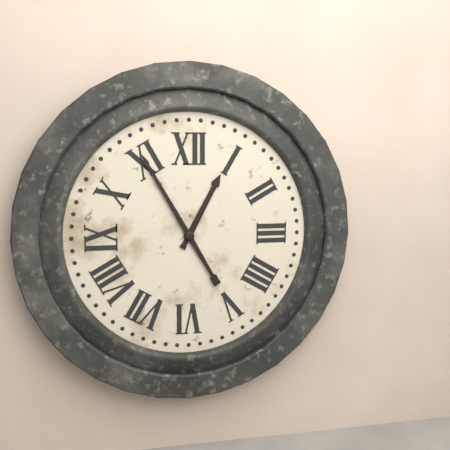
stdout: 12 h 55 min
